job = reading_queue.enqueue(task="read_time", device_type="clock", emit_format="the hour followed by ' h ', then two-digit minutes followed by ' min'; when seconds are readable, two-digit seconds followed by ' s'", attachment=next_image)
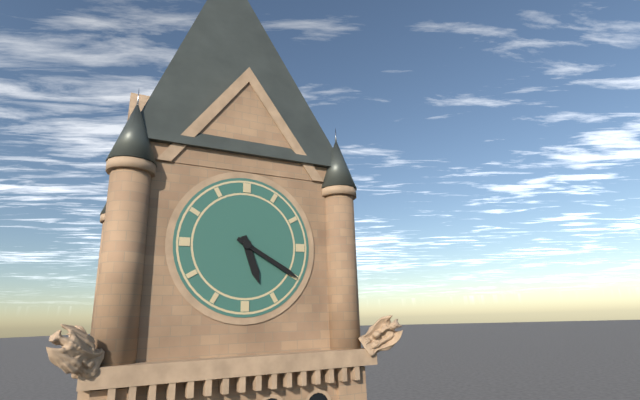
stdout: 5 h 20 min
